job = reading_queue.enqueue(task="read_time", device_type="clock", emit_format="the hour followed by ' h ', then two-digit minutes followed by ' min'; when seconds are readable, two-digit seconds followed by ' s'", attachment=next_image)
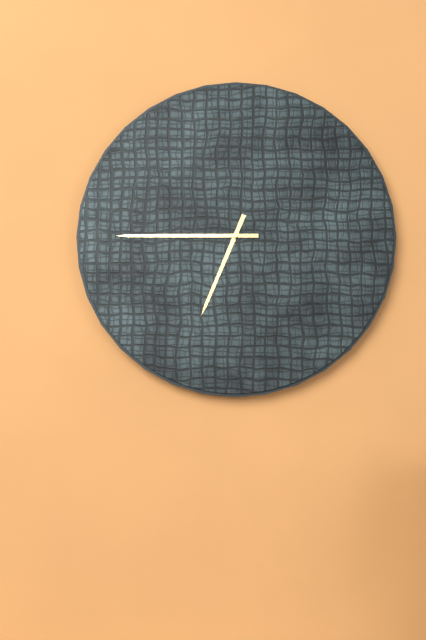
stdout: 6 h 45 min
